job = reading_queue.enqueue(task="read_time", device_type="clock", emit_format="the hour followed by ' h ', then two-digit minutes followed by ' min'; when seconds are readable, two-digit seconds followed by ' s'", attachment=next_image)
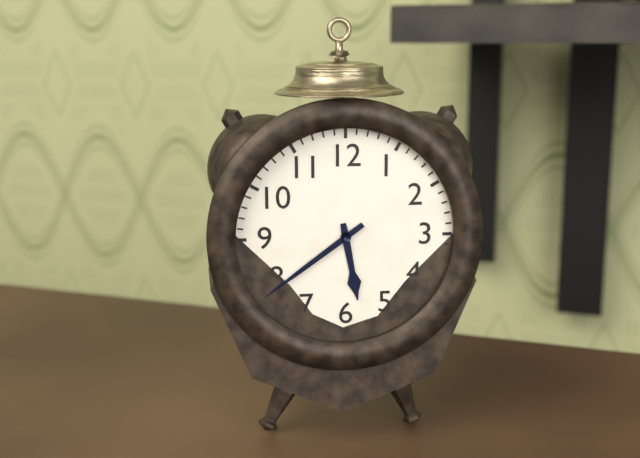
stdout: 5 h 39 min
